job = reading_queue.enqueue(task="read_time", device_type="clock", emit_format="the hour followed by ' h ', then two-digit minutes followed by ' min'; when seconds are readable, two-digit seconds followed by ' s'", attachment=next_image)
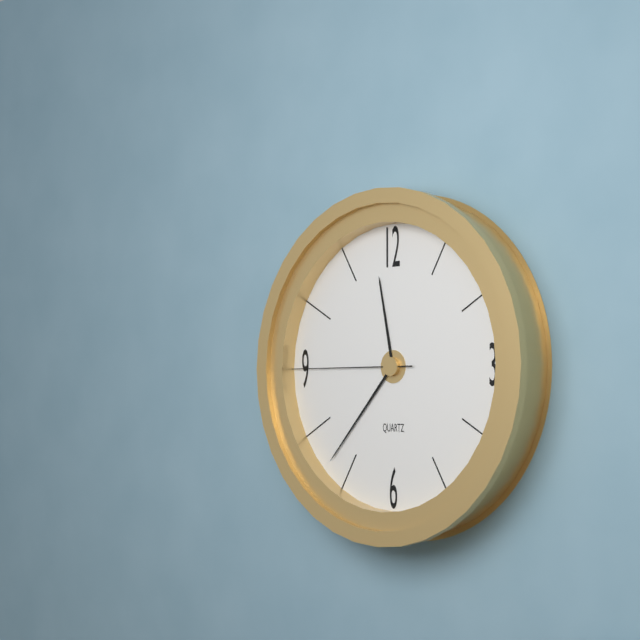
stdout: 11 h 37 min 45 s
